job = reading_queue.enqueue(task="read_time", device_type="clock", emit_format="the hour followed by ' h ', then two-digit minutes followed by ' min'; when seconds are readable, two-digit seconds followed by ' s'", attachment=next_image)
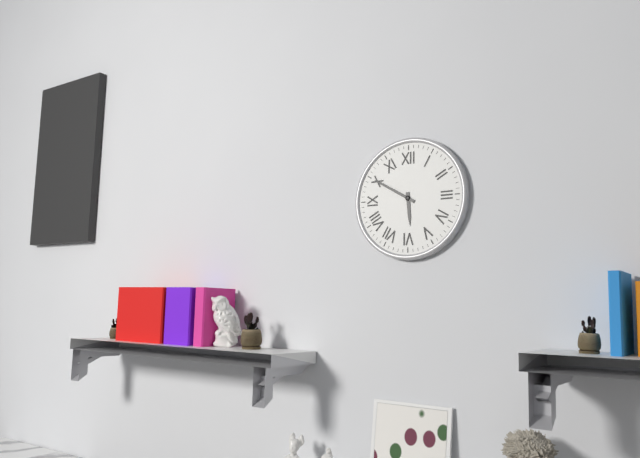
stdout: 5 h 50 min
